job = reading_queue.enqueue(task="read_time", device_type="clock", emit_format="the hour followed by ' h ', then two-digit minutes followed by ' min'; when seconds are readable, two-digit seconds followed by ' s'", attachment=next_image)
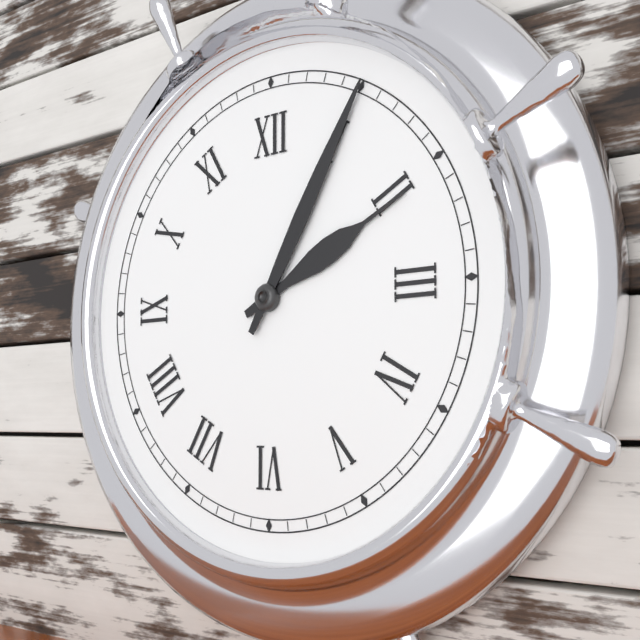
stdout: 2 h 05 min
